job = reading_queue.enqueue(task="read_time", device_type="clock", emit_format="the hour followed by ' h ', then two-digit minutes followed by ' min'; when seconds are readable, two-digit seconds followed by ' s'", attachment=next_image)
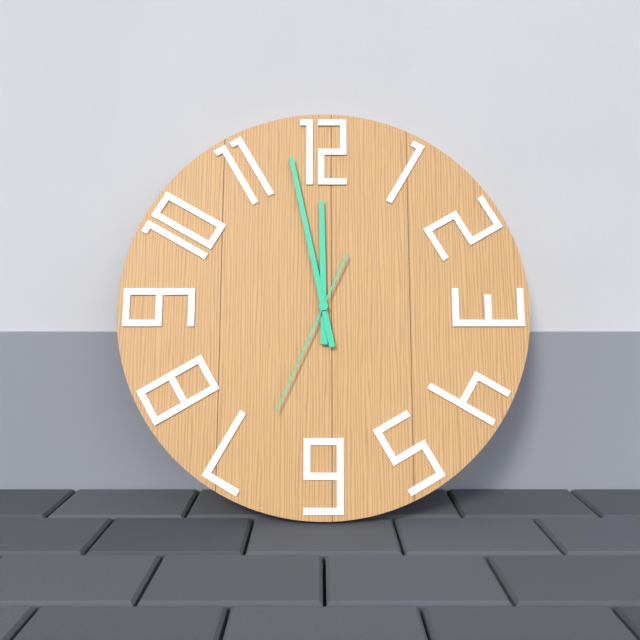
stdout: 11 h 58 min 34 s
